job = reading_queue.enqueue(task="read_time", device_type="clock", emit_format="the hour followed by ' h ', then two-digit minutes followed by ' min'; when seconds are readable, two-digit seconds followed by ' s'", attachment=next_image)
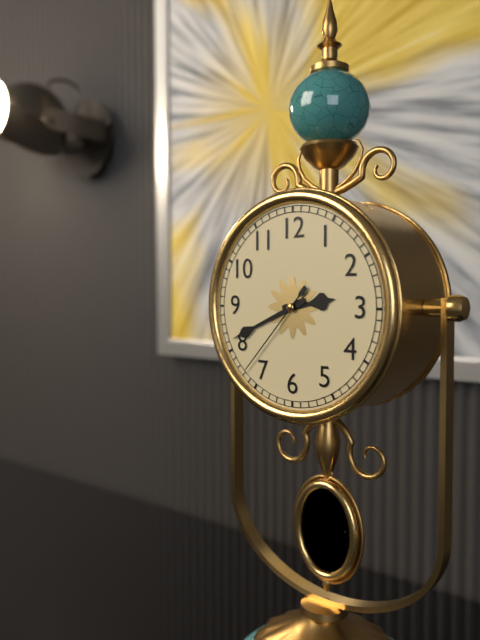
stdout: 2 h 41 min 37 s
